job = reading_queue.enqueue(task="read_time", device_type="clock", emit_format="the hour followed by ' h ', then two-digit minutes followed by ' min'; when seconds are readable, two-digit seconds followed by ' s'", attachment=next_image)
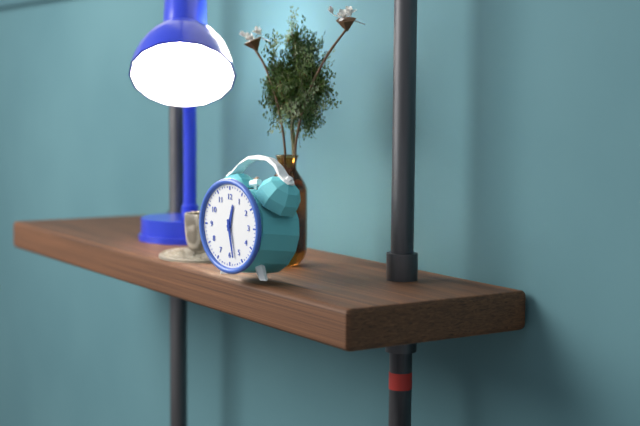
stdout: 12 h 28 min
